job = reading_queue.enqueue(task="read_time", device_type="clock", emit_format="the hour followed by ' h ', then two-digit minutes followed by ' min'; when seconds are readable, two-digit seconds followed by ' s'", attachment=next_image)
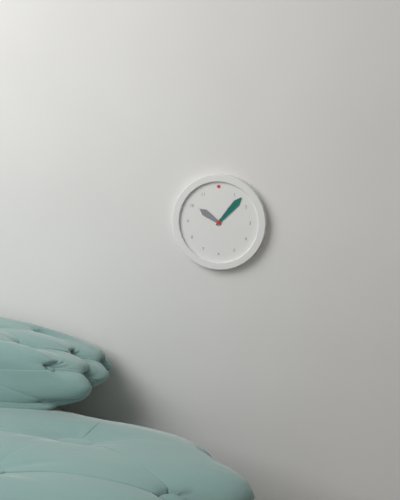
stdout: 10 h 07 min
